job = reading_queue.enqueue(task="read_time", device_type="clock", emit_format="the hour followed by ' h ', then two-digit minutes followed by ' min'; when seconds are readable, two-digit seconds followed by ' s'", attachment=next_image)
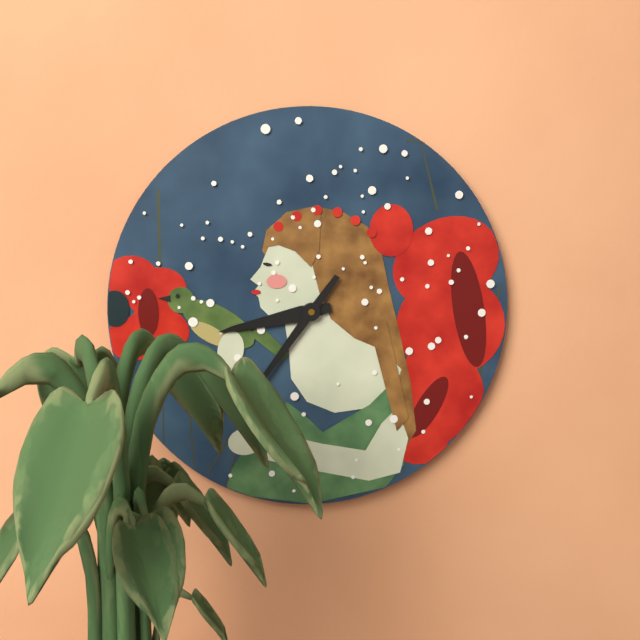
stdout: 8 h 36 min
